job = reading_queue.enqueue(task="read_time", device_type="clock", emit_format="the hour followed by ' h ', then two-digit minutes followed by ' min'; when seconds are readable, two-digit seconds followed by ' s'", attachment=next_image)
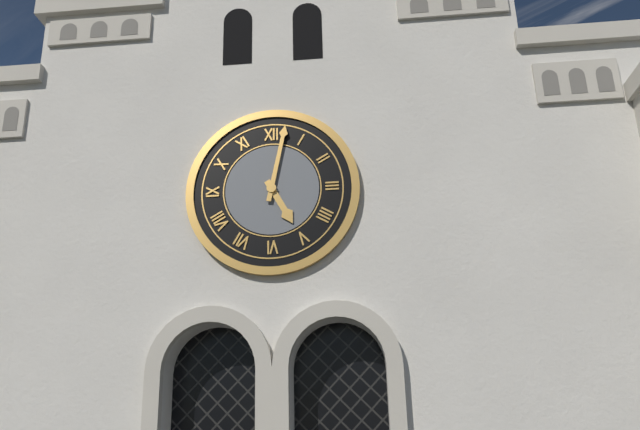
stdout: 5 h 02 min
